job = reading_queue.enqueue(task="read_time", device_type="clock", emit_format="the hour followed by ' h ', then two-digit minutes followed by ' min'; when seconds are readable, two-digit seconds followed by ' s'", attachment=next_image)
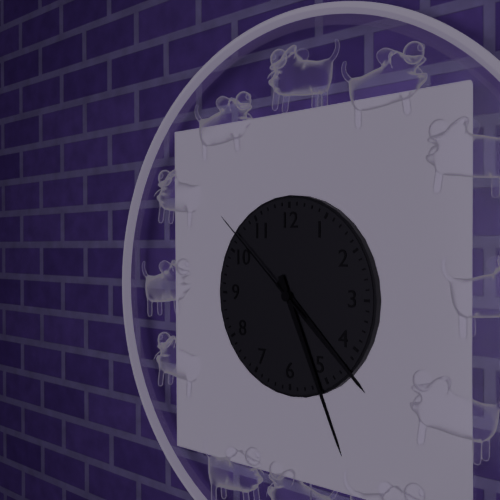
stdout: 4 h 26 min 52 s
